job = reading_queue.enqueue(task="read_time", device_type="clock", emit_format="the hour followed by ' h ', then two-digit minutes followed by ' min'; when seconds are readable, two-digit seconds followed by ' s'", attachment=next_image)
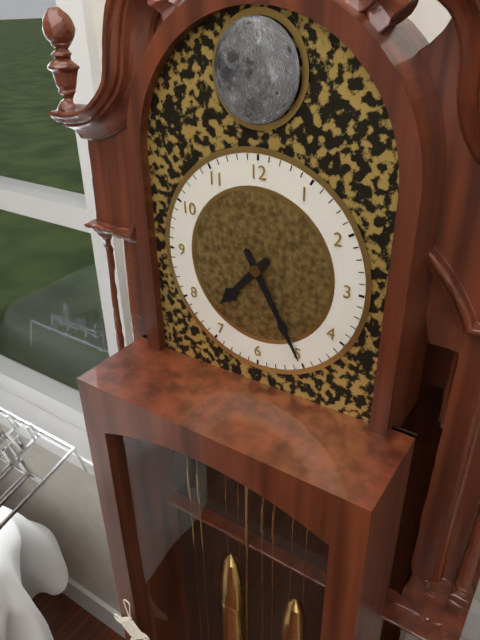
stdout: 7 h 25 min
